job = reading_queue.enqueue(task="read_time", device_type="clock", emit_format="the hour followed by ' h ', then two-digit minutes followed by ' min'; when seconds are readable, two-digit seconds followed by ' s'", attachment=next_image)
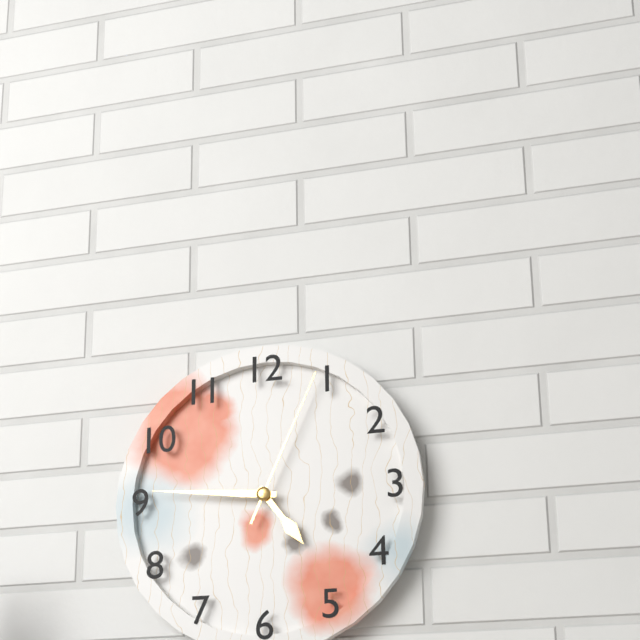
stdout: 4 h 46 min 04 s
